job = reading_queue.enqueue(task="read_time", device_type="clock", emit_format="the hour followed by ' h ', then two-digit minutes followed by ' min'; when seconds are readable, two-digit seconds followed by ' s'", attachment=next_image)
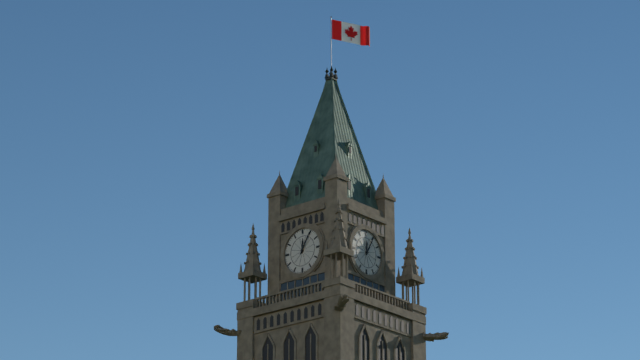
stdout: 12 h 05 min
